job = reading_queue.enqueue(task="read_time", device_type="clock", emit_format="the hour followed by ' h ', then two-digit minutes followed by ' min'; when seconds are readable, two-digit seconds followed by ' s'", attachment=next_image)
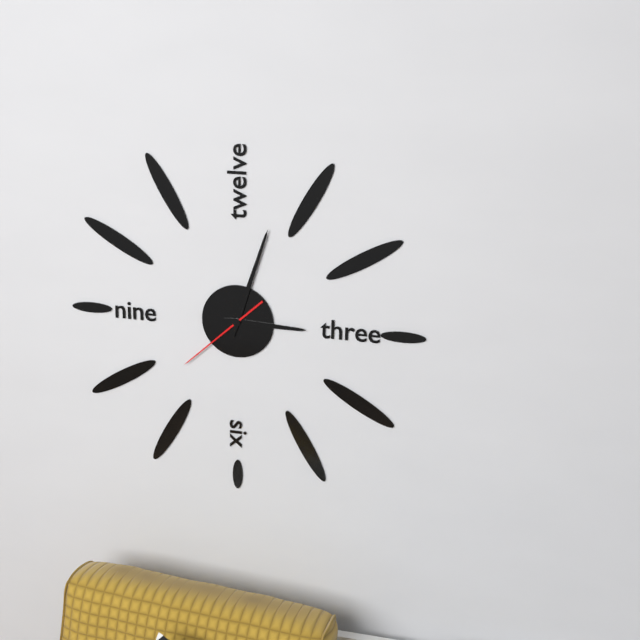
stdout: 3 h 03 min 38 s
